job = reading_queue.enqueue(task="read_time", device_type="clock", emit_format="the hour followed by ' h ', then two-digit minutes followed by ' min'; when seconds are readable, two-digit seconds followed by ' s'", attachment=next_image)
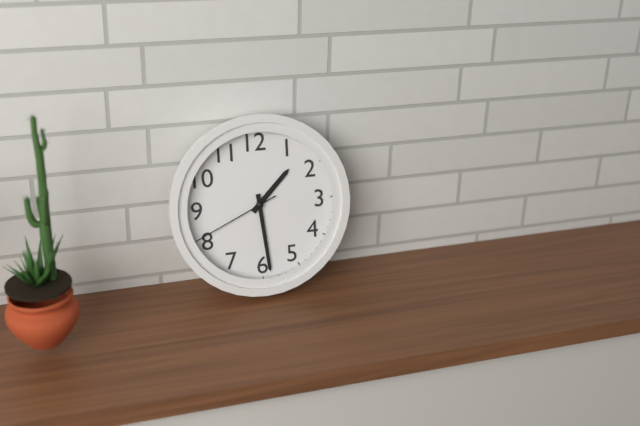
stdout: 1 h 29 min 41 s
